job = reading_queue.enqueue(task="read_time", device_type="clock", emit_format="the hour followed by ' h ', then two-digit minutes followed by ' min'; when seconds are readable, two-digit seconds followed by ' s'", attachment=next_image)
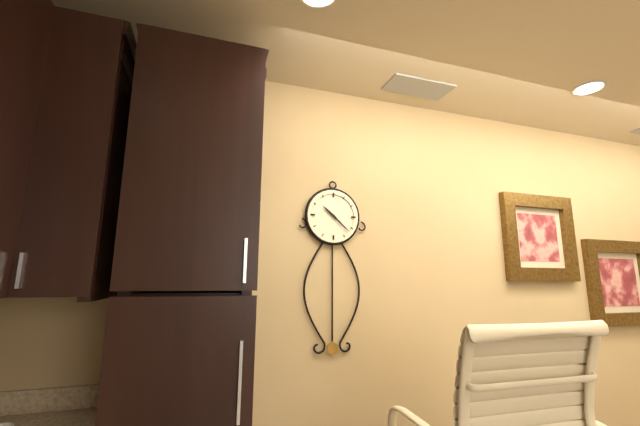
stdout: 10 h 22 min
